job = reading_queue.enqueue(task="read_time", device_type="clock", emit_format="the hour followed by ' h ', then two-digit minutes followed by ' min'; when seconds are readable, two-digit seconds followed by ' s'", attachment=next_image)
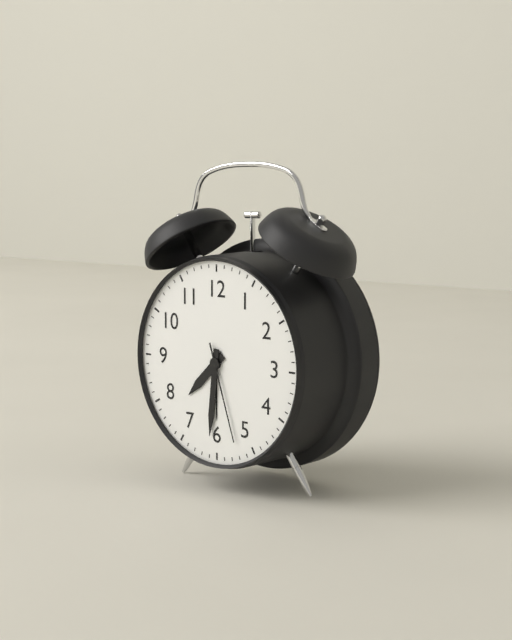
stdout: 7 h 31 min 27 s
